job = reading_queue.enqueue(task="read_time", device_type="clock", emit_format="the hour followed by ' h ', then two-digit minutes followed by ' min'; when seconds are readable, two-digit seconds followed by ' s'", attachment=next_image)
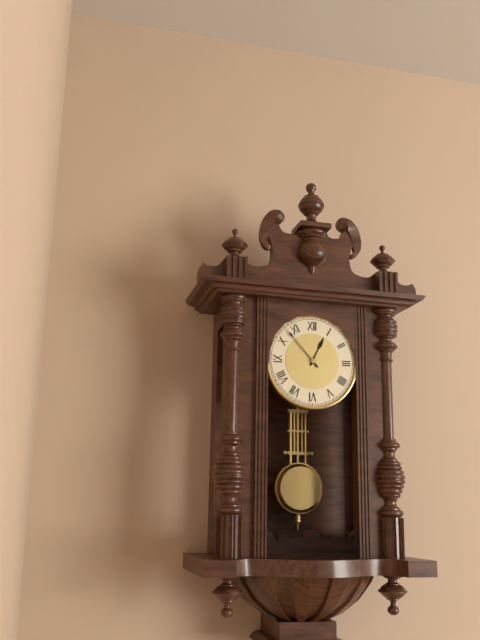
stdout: 12 h 53 min
